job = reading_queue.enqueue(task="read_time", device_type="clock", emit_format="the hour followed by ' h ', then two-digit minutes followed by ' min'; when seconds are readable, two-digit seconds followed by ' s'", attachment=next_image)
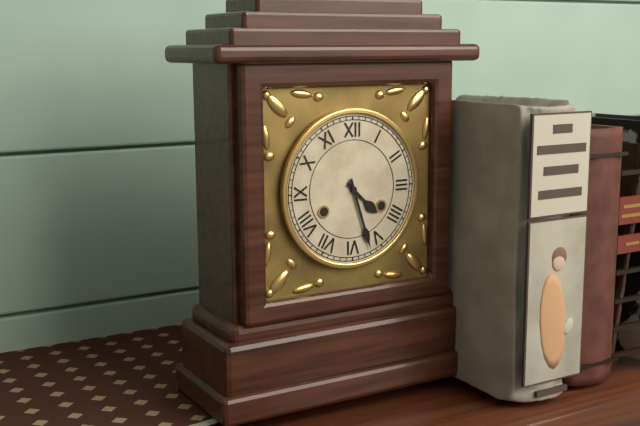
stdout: 4 h 27 min
